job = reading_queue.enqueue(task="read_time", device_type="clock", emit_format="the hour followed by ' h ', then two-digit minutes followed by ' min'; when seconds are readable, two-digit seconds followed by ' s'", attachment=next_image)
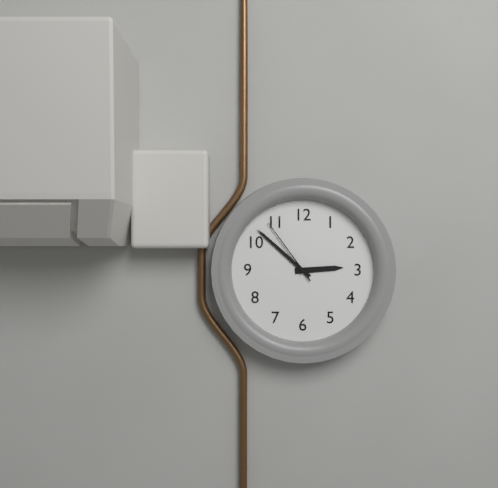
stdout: 2 h 52 min 54 s
